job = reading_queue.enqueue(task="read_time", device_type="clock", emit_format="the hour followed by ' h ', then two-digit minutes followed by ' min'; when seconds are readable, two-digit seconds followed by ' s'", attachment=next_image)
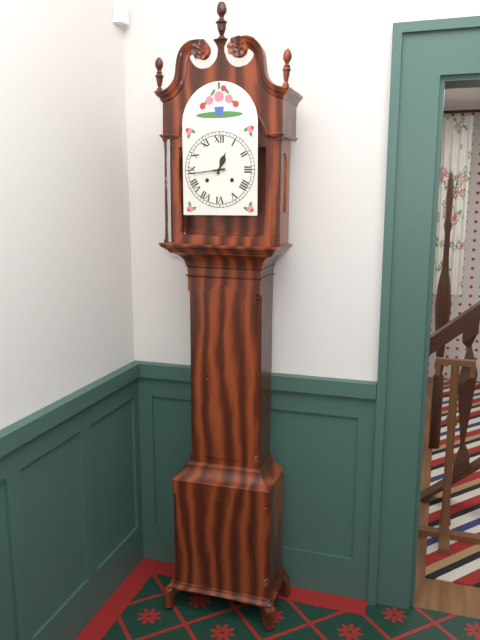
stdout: 12 h 44 min
